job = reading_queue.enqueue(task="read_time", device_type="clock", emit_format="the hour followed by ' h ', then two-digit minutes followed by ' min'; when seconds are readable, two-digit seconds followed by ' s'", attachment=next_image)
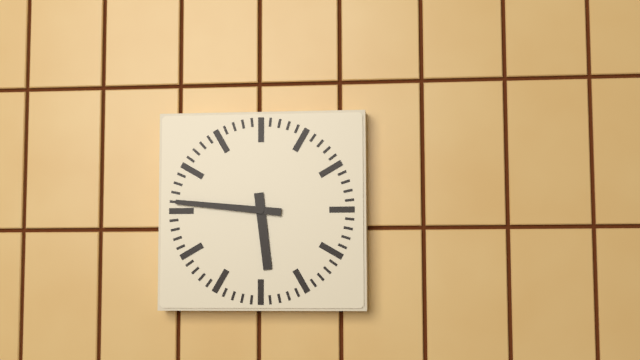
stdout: 5 h 46 min
